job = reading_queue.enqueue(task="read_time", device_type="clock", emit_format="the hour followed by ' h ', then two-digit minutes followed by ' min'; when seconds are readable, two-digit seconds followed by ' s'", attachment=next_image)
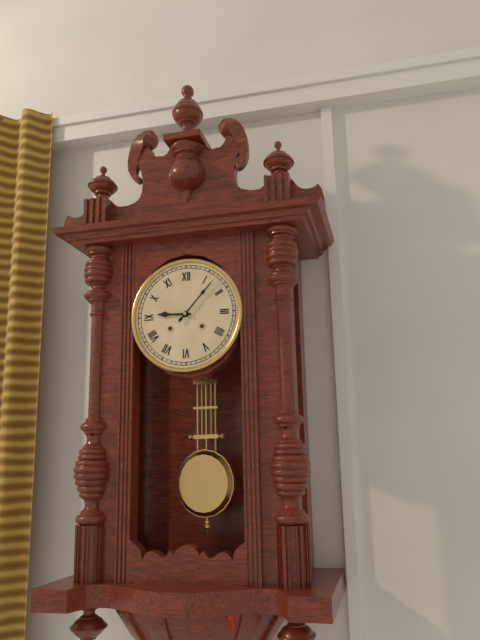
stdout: 9 h 07 min
